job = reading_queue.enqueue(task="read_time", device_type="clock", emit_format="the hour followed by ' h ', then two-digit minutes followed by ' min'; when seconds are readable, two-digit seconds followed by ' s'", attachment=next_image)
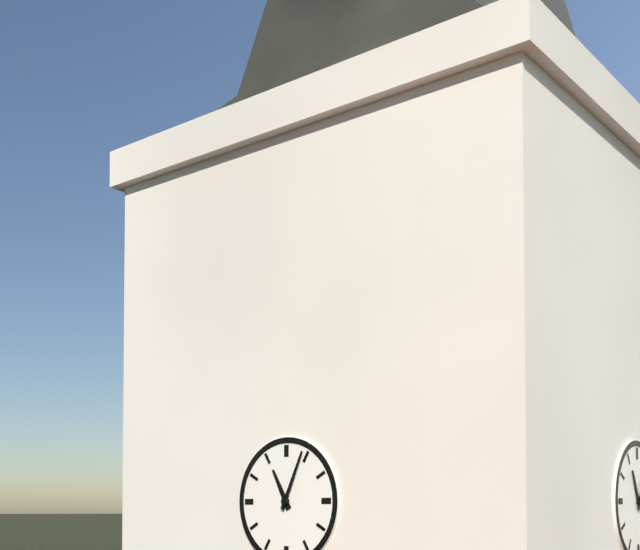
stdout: 11 h 04 min
